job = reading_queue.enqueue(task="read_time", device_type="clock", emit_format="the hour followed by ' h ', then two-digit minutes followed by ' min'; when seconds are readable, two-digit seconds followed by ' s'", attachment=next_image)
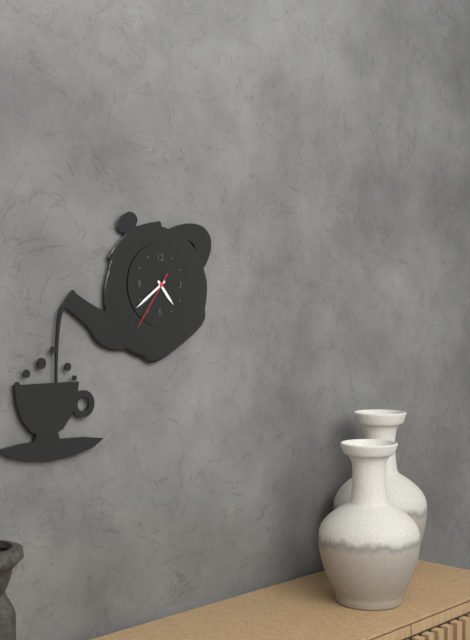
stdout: 4 h 39 min 36 s
